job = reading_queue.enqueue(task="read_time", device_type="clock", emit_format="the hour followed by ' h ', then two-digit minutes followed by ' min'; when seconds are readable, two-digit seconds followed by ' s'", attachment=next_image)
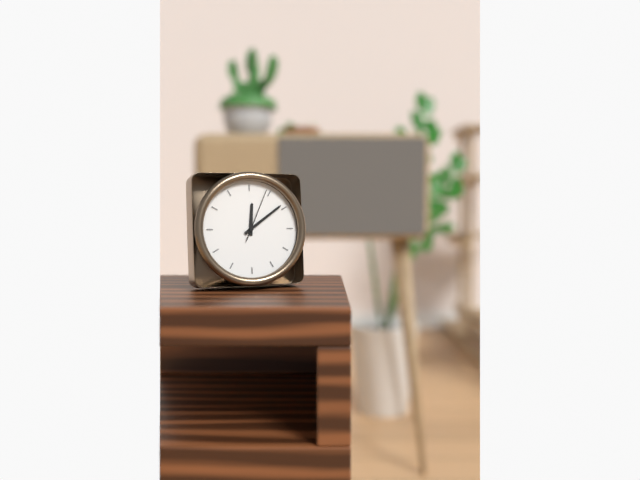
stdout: 12 h 09 min 04 s
